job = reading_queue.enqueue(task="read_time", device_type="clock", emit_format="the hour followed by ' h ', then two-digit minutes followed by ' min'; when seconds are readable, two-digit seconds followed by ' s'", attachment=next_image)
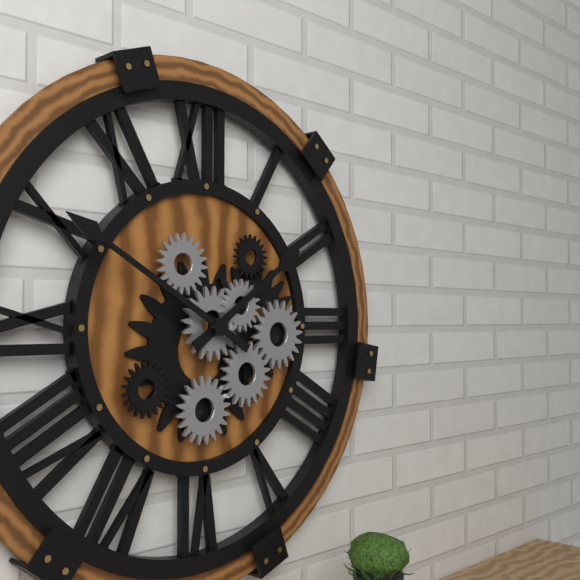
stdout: 1 h 50 min
